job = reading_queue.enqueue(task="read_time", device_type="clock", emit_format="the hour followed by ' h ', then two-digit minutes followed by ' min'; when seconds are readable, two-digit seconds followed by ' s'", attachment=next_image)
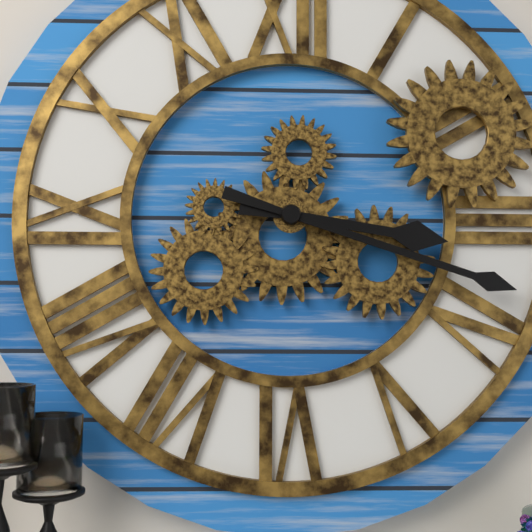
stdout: 3 h 18 min
